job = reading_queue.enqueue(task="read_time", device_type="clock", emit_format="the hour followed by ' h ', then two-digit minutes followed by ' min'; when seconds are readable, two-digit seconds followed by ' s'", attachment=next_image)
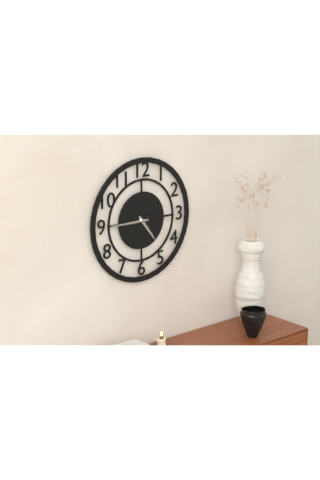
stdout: 4 h 45 min
